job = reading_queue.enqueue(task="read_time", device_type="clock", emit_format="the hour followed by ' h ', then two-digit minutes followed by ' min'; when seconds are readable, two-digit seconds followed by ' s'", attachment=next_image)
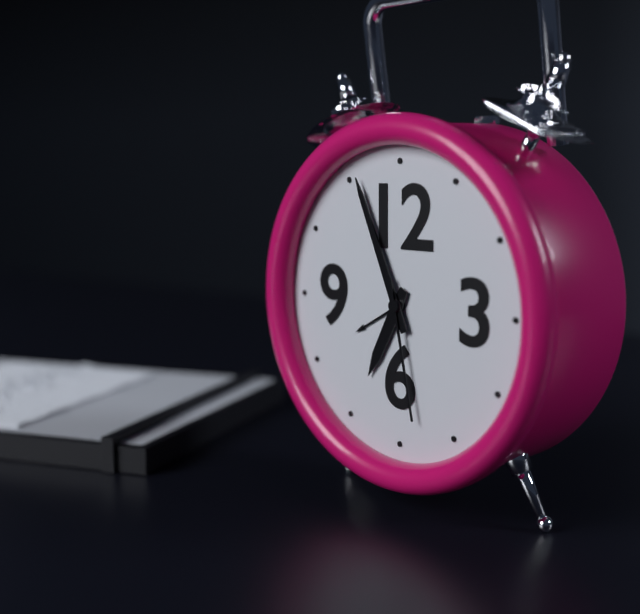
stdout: 6 h 56 min 28 s
